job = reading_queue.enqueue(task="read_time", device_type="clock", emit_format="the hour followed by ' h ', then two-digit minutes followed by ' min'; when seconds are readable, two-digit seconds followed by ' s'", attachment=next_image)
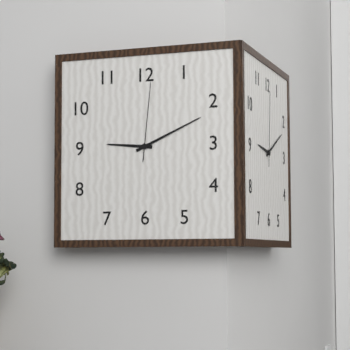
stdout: 9 h 11 min 01 s
